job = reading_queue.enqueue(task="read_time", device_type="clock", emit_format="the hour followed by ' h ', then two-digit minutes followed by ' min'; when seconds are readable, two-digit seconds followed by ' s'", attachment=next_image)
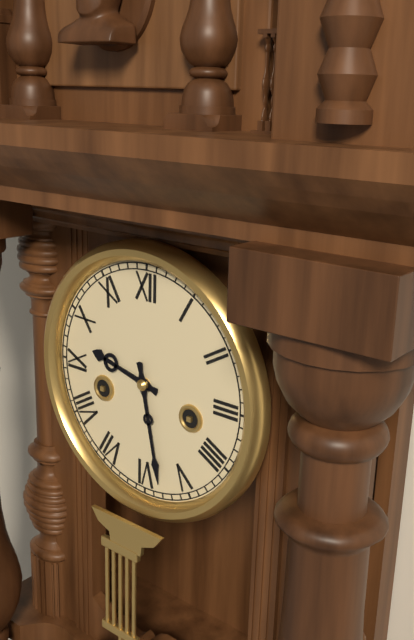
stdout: 9 h 28 min
